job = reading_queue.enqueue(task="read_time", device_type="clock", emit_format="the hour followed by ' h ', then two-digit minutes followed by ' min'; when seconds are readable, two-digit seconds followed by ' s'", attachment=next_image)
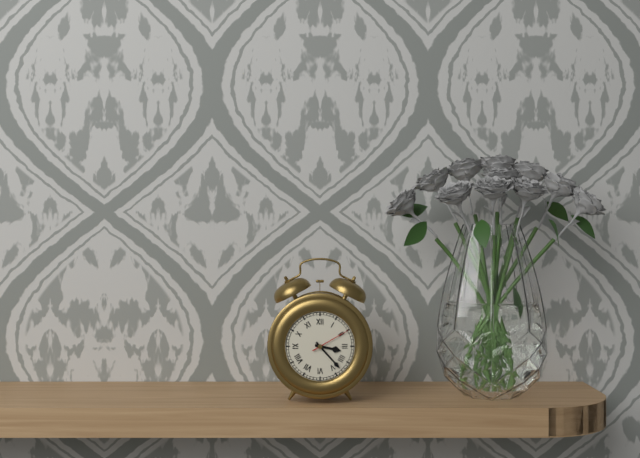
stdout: 3 h 23 min
